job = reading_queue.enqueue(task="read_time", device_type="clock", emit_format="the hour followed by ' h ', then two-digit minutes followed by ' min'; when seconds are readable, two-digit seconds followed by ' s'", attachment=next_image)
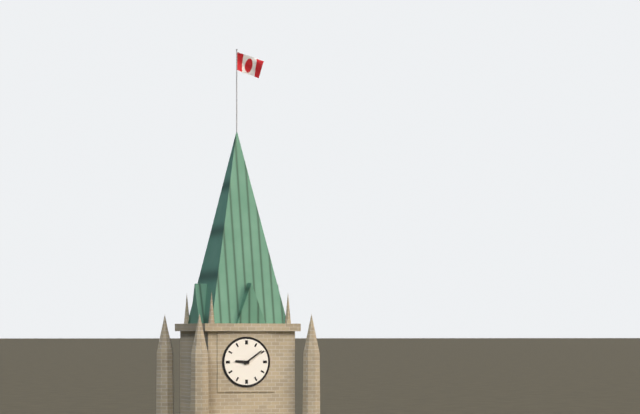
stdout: 9 h 09 min
